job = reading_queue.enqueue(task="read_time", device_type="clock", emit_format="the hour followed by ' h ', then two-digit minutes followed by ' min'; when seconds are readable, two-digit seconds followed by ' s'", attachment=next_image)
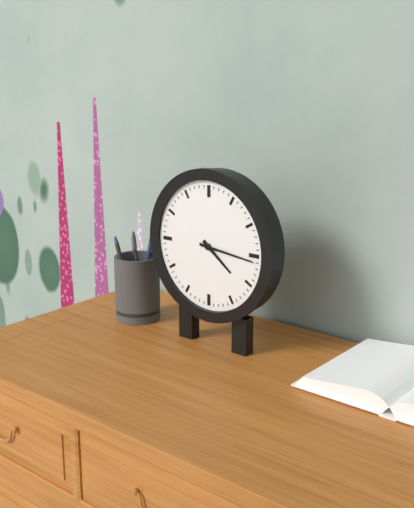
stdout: 4 h 16 min
